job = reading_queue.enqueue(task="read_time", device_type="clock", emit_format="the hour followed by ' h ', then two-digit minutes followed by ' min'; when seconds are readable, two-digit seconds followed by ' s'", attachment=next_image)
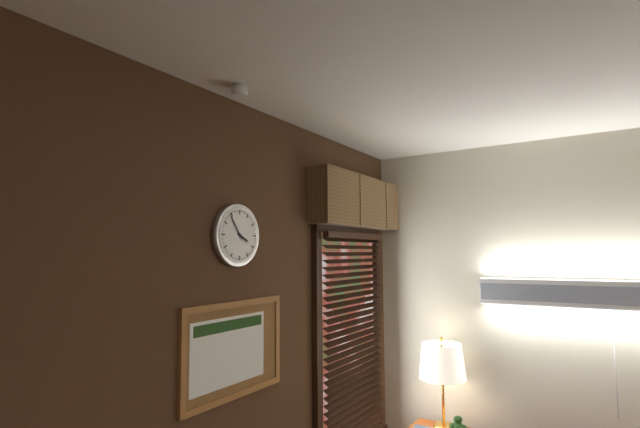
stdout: 3 h 54 min
